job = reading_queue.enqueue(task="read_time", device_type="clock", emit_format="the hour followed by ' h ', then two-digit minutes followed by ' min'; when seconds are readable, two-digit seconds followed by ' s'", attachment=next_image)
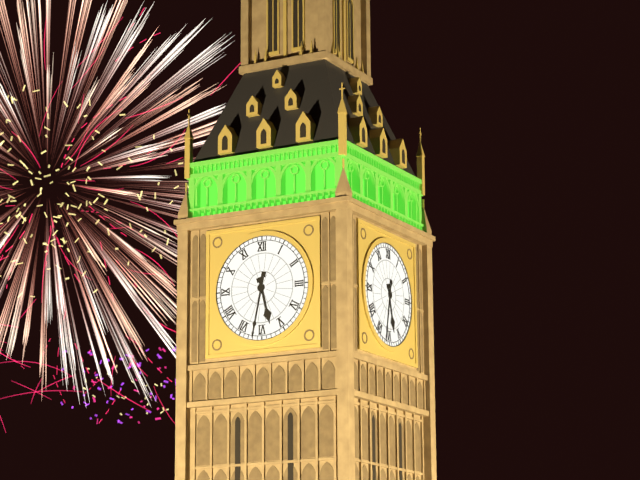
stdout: 5 h 32 min
